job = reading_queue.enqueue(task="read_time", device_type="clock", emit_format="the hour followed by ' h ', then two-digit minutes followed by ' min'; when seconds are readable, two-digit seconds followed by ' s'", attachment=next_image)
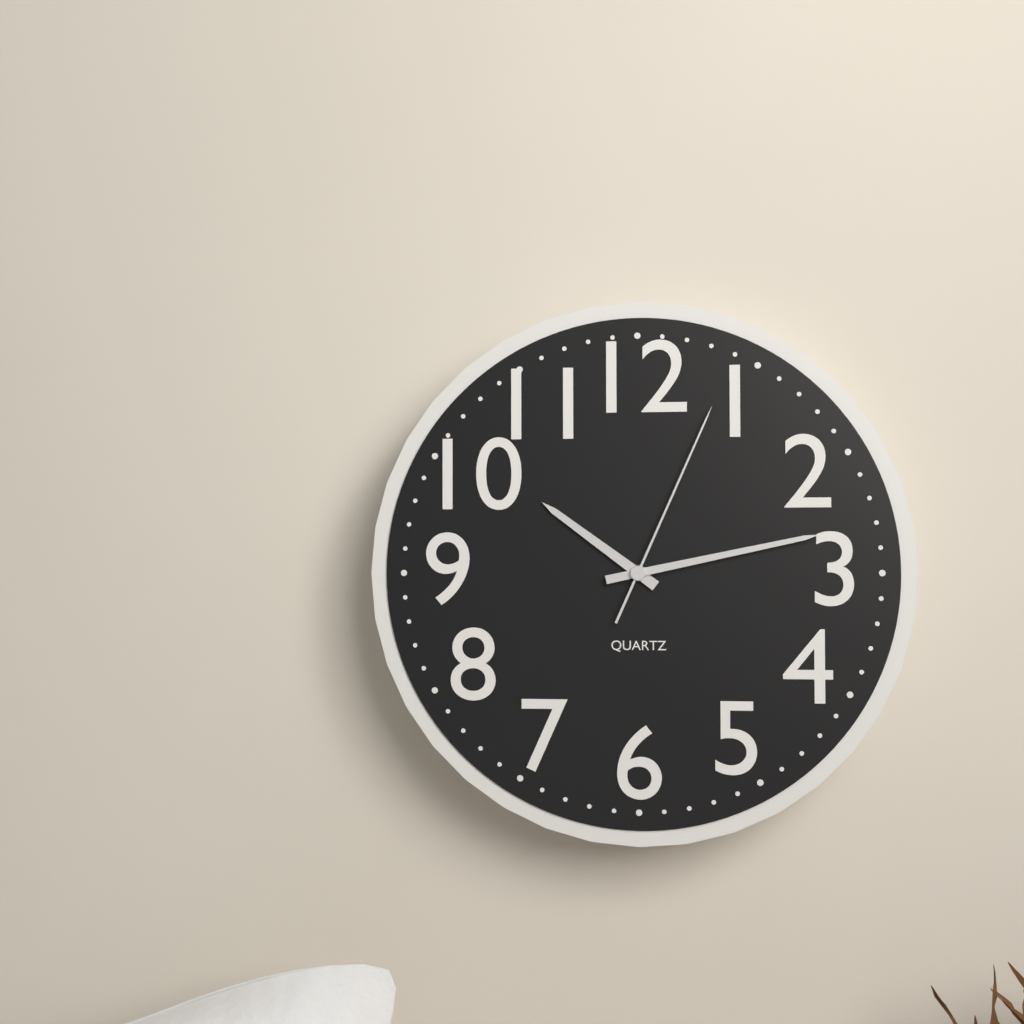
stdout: 10 h 13 min 04 s
